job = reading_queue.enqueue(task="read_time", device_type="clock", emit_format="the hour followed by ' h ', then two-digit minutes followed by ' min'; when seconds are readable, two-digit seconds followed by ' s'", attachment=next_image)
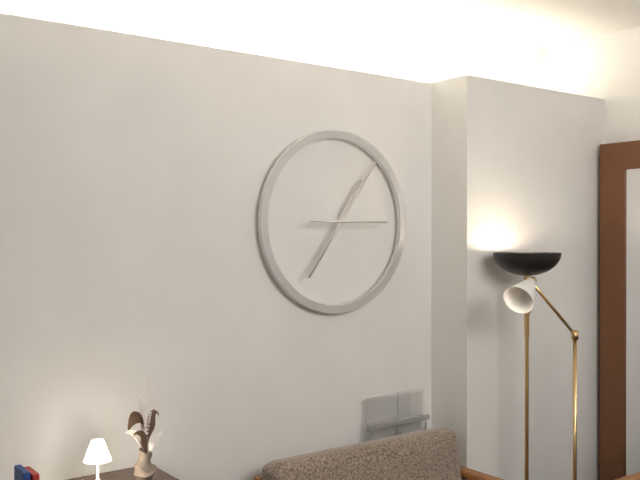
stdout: 1 h 06 min 15 s
